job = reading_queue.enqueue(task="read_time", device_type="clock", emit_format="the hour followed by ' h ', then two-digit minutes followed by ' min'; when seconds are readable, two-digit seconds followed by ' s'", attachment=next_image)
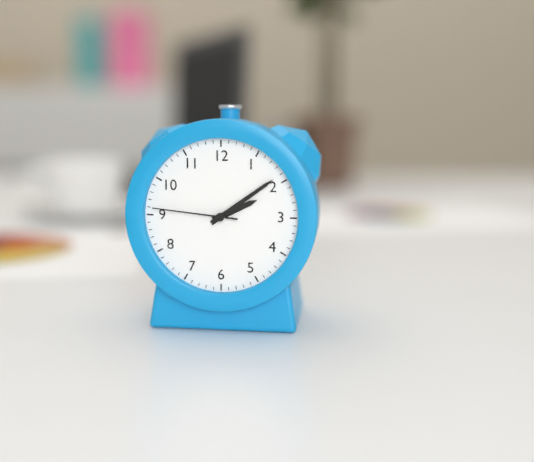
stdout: 2 h 09 min 46 s
